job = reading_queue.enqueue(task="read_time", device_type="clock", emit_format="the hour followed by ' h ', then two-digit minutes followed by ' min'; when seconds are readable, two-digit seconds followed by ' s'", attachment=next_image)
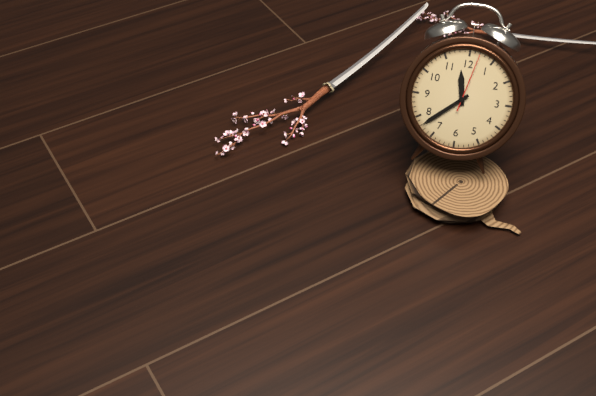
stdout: 11 h 38 min 02 s
